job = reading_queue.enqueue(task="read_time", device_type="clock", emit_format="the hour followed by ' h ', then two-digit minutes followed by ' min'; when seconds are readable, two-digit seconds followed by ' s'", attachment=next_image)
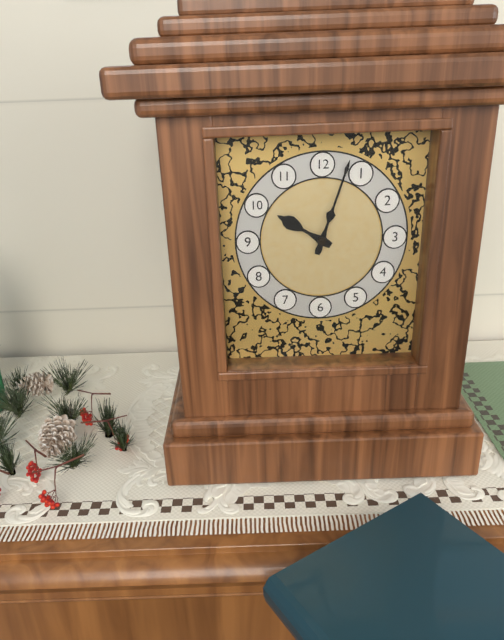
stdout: 10 h 03 min
